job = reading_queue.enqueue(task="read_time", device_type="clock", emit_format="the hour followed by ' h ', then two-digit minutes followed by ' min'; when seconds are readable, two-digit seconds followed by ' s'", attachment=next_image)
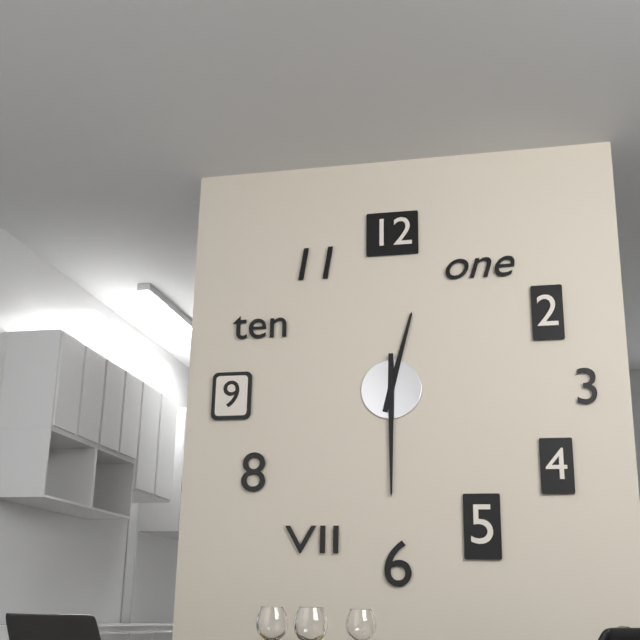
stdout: 12 h 30 min
